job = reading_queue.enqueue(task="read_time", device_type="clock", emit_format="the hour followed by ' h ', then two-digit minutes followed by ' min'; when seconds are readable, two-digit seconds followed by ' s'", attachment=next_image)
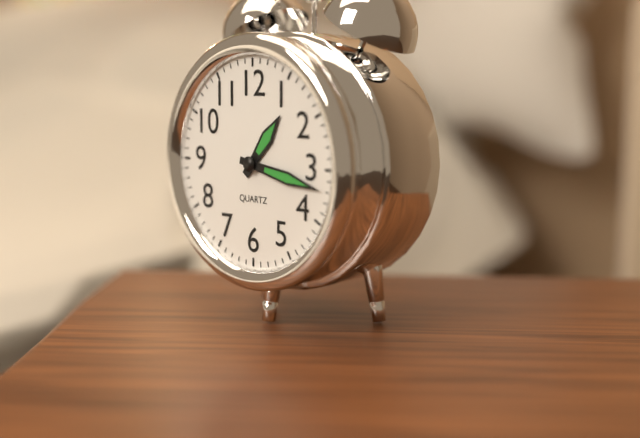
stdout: 1 h 17 min
